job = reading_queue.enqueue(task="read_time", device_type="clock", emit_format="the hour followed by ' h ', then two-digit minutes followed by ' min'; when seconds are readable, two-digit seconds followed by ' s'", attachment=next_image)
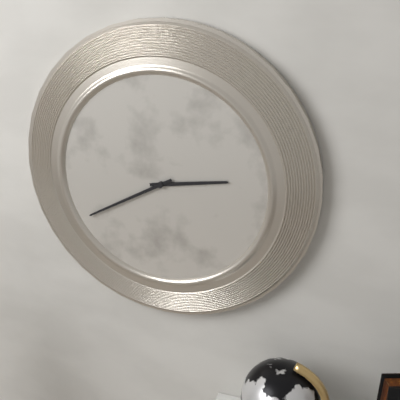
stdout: 2 h 40 min
